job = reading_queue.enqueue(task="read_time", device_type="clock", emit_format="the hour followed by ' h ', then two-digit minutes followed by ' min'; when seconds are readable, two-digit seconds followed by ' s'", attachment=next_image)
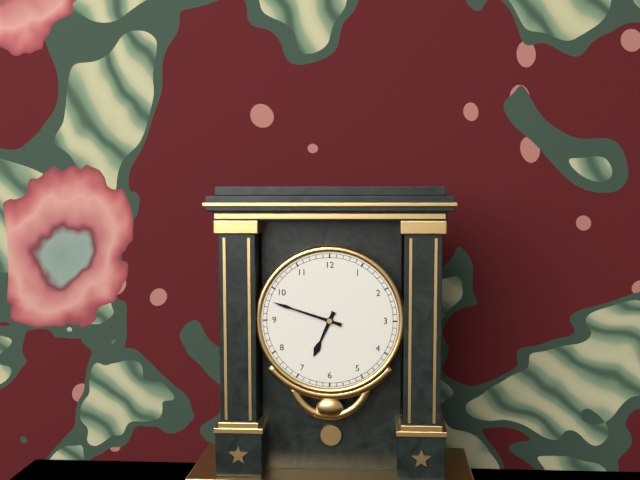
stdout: 6 h 48 min
